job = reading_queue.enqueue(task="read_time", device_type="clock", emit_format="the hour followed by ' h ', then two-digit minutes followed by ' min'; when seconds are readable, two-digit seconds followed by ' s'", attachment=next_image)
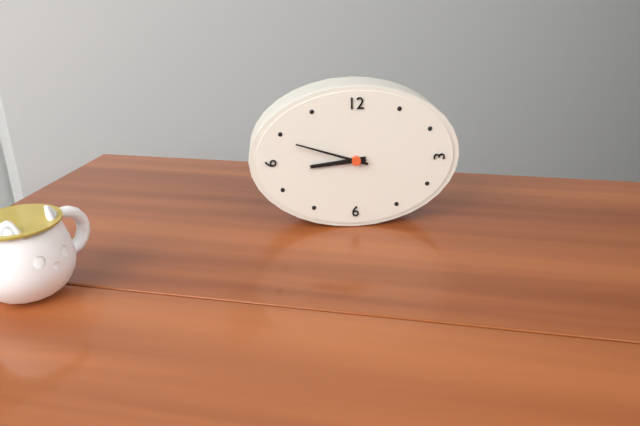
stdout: 8 h 48 min
